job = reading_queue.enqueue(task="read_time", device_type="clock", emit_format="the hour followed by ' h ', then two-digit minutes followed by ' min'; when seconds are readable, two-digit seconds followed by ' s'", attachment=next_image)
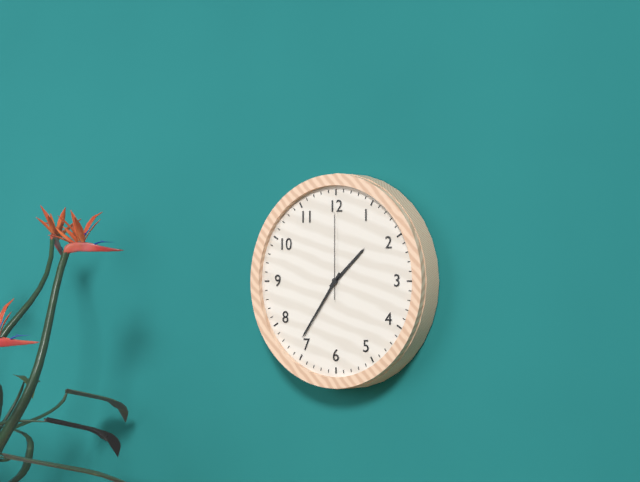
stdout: 1 h 36 min 00 s
